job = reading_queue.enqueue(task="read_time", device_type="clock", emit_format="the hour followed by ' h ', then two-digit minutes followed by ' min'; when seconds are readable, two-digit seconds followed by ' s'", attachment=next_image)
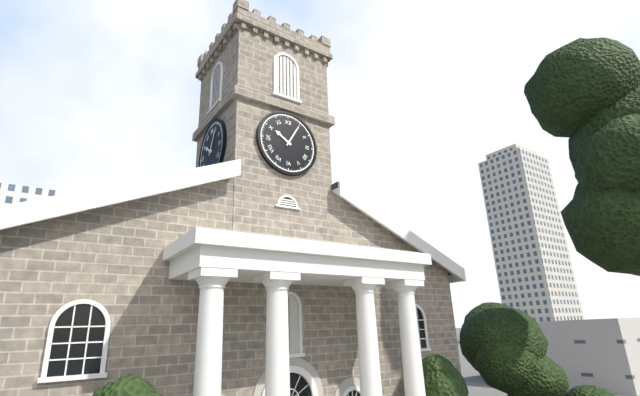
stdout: 10 h 05 min
